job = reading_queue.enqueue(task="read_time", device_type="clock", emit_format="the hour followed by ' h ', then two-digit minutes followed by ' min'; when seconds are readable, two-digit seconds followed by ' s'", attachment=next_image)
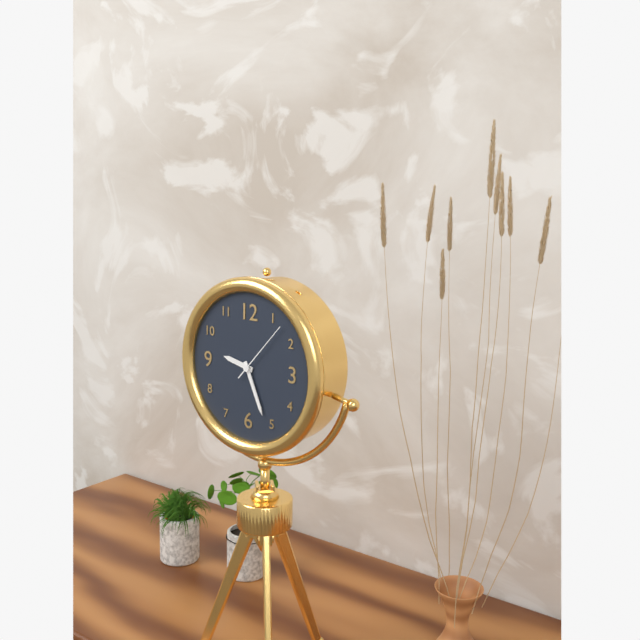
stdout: 9 h 26 min 07 s
